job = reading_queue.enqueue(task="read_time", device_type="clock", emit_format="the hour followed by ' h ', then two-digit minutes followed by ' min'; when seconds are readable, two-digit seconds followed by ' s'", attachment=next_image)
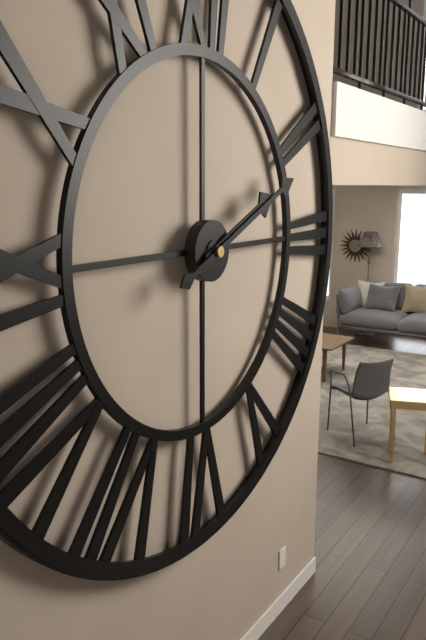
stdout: 2 h 11 min
